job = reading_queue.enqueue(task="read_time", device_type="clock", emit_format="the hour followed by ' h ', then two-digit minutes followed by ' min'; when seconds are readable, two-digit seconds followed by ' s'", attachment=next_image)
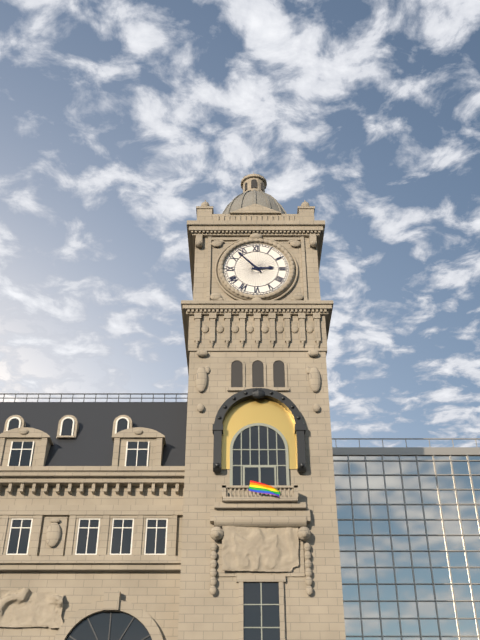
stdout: 2 h 53 min
